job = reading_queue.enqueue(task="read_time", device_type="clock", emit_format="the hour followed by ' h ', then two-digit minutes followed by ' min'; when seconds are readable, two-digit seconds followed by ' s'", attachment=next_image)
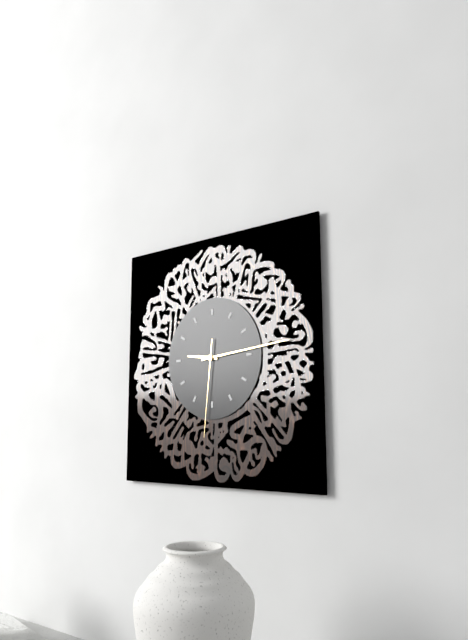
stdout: 9 h 14 min 31 s
